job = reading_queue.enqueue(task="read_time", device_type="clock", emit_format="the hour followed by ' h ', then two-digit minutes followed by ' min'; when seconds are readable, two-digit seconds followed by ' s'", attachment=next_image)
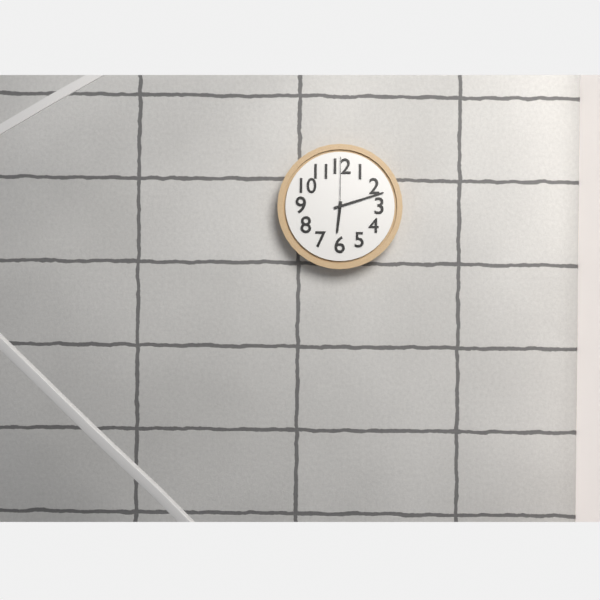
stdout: 6 h 12 min 00 s
